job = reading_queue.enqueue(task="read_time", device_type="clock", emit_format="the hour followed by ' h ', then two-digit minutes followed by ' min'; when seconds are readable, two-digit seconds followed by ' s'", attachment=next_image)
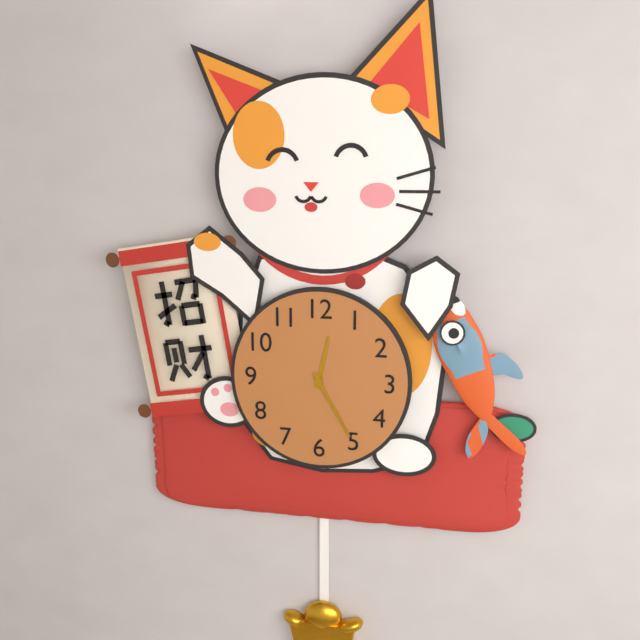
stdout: 12 h 25 min
